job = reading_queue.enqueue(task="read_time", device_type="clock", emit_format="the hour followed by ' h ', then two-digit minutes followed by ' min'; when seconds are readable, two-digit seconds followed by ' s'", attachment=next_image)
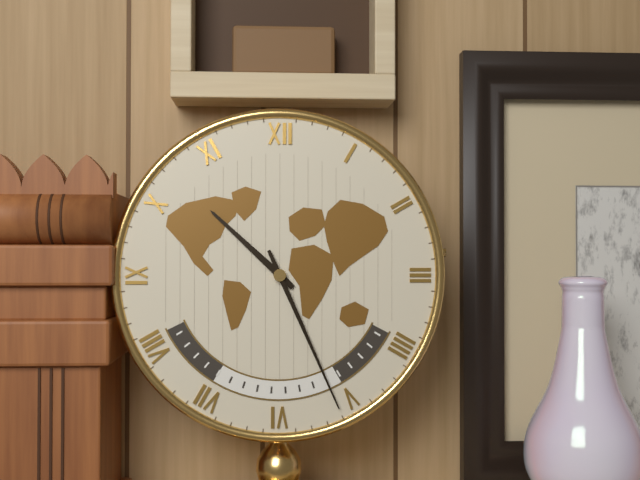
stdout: 10 h 26 min
